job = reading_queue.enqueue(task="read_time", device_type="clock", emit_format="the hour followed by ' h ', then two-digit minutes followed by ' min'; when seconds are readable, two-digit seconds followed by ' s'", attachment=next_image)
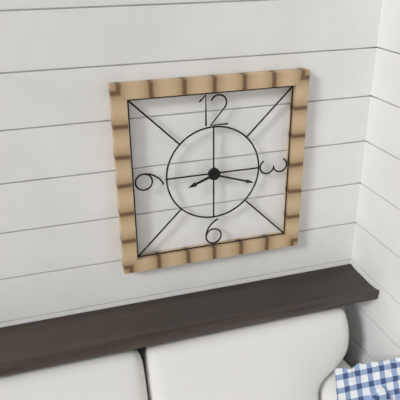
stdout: 8 h 18 min
